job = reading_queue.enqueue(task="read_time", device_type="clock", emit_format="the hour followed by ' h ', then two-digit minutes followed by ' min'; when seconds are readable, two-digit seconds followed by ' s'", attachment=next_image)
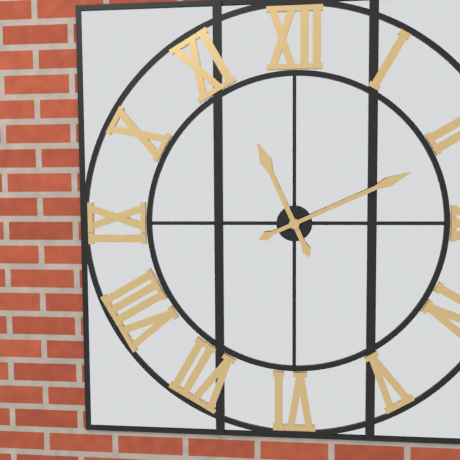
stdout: 11 h 11 min
